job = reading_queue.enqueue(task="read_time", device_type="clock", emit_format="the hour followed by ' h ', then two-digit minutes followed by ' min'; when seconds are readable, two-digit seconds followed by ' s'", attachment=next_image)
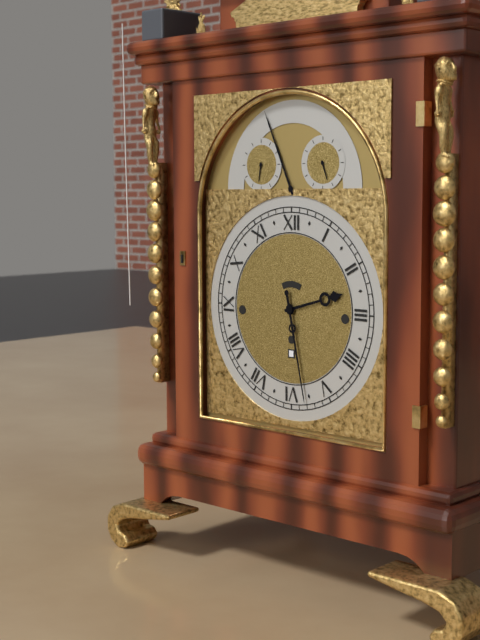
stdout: 2 h 28 min
